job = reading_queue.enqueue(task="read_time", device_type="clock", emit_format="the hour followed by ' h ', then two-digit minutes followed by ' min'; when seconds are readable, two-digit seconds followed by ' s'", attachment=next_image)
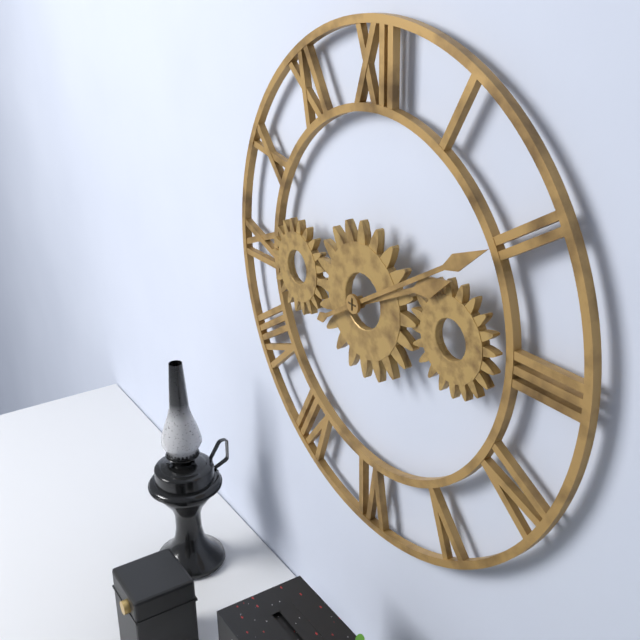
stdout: 2 h 10 min
